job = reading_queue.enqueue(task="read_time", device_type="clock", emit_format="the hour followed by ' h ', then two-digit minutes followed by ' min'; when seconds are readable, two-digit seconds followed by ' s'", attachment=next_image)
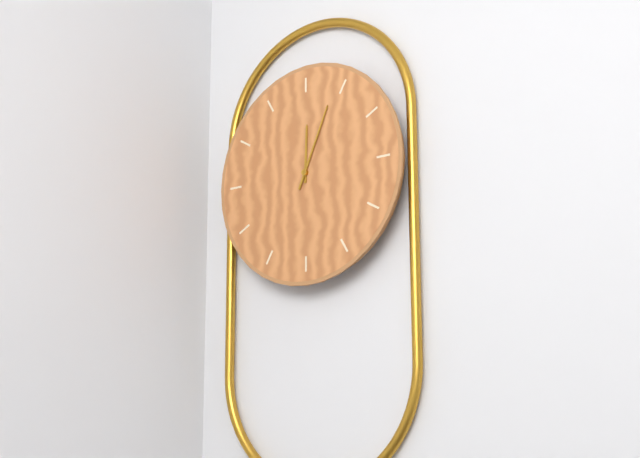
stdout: 12 h 04 min
